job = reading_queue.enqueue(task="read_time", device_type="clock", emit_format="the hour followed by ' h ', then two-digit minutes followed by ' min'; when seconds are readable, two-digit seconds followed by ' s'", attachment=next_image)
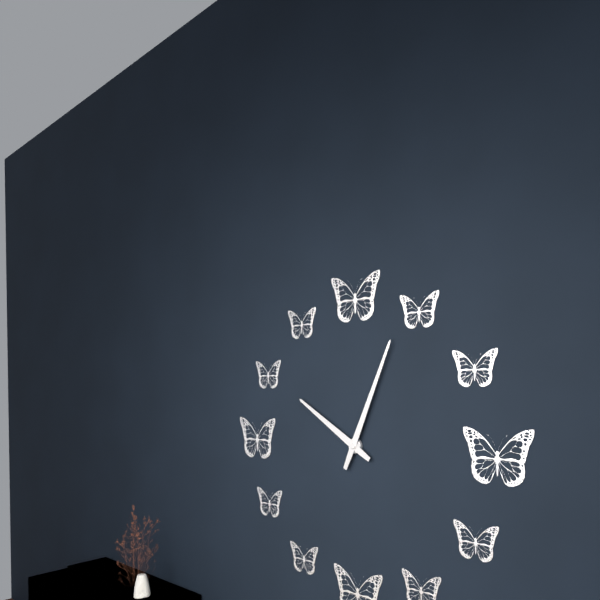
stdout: 10 h 04 min
